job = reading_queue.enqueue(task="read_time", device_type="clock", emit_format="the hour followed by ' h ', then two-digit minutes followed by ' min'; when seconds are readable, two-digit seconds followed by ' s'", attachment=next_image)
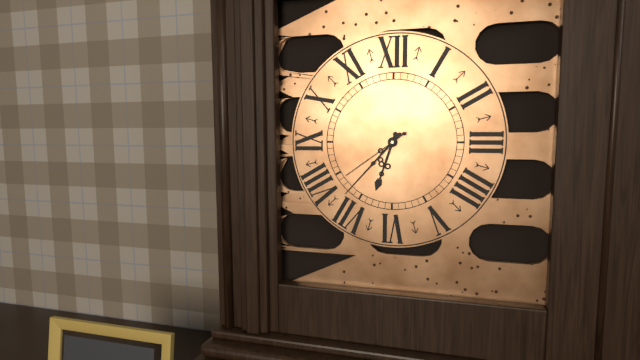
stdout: 6 h 37 min 39 s
